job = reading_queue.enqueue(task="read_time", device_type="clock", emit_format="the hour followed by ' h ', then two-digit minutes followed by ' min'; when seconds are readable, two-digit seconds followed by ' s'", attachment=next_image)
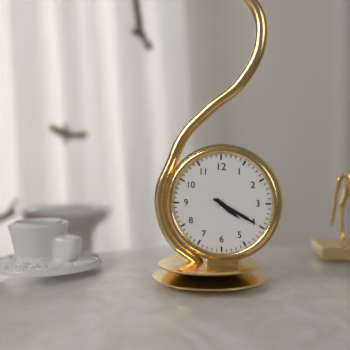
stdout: 4 h 20 min
